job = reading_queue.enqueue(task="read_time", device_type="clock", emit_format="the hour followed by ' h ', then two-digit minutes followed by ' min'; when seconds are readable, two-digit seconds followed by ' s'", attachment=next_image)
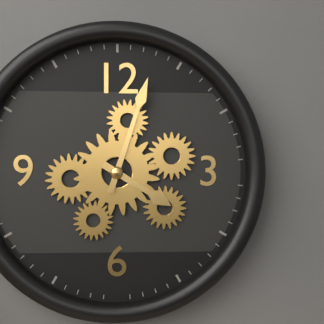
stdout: 4 h 03 min
